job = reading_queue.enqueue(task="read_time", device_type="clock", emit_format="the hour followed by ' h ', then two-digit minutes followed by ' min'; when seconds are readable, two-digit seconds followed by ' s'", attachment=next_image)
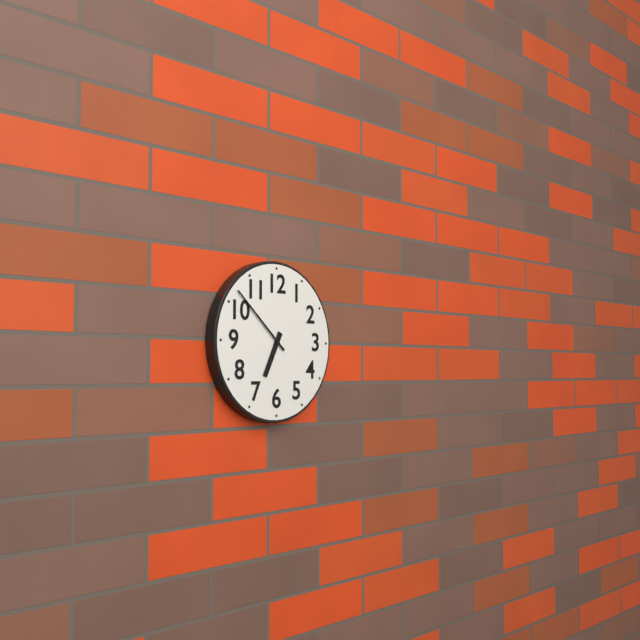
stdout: 6 h 52 min
